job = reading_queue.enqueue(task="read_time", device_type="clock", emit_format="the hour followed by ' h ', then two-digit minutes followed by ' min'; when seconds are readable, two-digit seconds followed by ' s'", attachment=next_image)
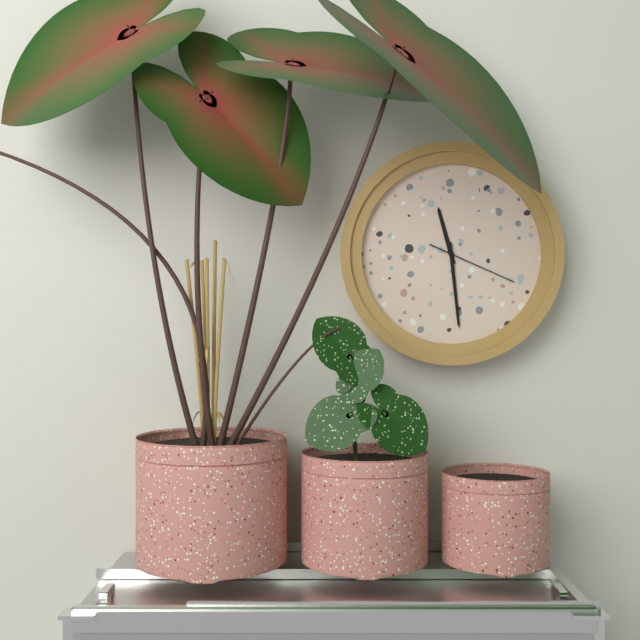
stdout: 11 h 29 min 19 s
